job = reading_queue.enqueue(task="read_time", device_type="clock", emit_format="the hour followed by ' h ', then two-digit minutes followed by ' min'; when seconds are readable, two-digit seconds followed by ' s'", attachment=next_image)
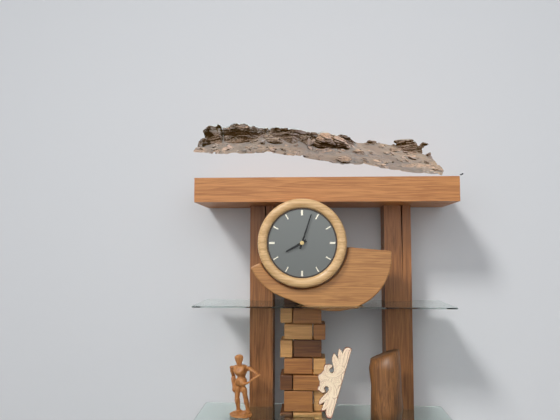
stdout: 8 h 03 min
